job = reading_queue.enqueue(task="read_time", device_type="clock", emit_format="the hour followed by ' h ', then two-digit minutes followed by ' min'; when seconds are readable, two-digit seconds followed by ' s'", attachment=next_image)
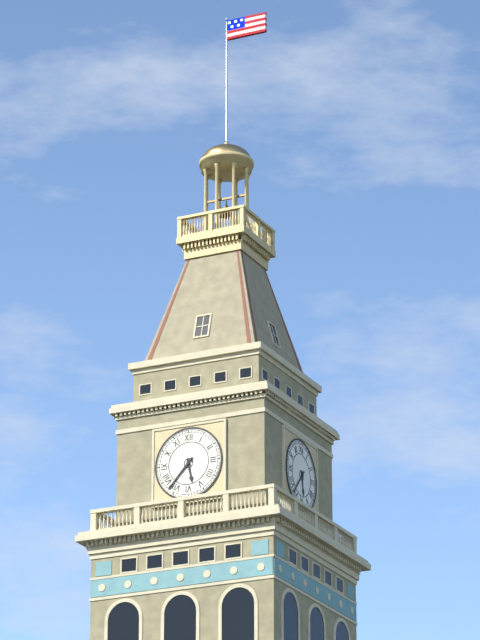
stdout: 5 h 37 min
